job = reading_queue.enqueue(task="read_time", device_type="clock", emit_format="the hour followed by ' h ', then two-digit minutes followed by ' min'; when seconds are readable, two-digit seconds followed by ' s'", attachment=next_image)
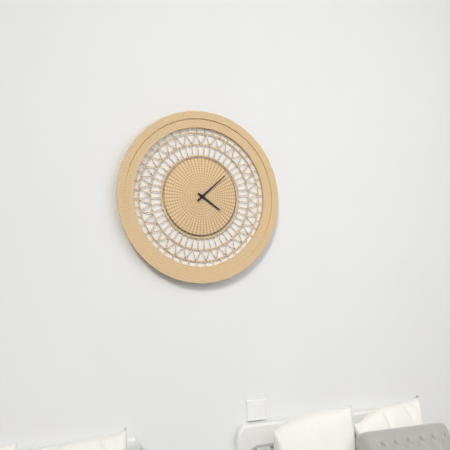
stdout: 4 h 08 min
